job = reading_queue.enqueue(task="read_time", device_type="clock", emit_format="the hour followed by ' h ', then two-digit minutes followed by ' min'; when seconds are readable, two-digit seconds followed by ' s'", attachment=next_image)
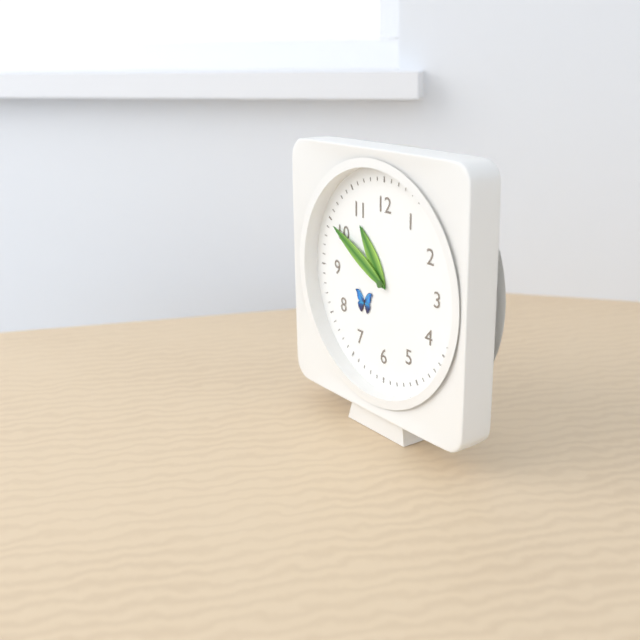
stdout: 10 h 50 min
